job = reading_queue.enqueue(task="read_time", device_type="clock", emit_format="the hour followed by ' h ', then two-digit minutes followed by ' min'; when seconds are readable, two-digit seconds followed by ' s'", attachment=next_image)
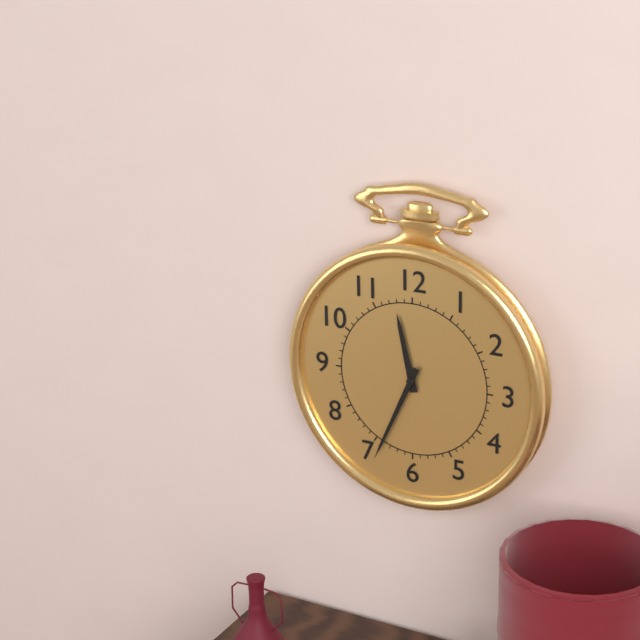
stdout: 11 h 34 min
